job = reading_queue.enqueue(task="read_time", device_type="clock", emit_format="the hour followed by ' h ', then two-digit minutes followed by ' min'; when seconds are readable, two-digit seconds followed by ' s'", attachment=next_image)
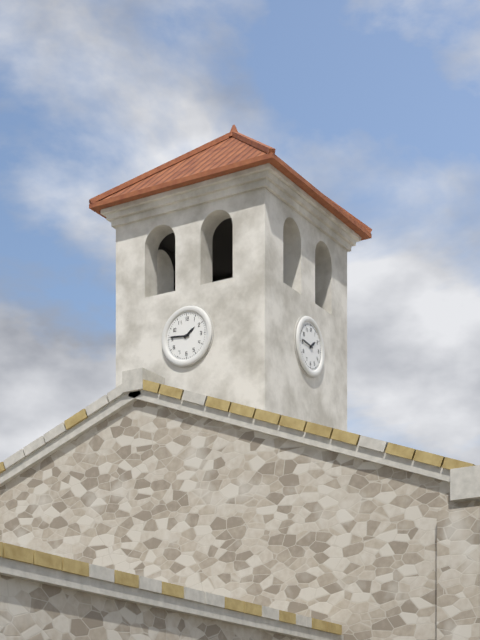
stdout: 1 h 46 min
